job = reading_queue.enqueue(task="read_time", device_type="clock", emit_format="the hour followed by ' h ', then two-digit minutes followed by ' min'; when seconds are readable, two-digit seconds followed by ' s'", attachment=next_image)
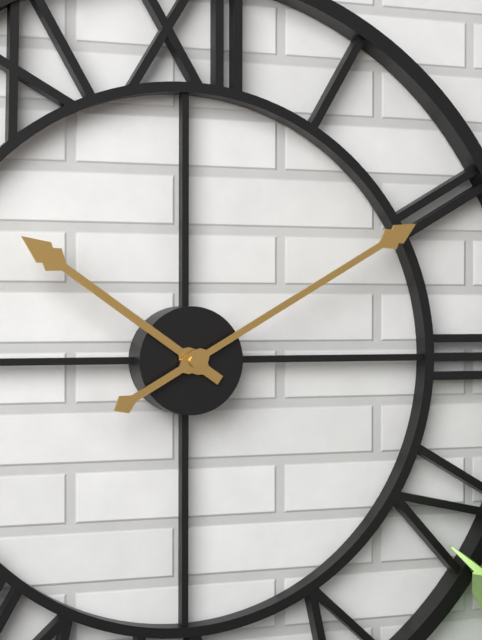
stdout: 10 h 10 min
